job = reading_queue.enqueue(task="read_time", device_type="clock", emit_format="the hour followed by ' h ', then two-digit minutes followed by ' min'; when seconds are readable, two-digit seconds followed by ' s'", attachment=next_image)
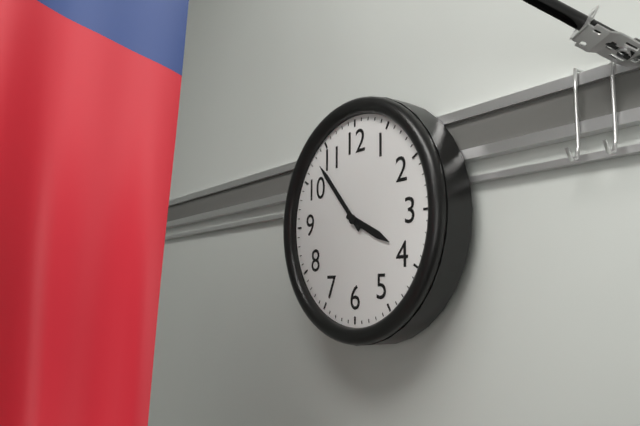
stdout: 3 h 53 min
